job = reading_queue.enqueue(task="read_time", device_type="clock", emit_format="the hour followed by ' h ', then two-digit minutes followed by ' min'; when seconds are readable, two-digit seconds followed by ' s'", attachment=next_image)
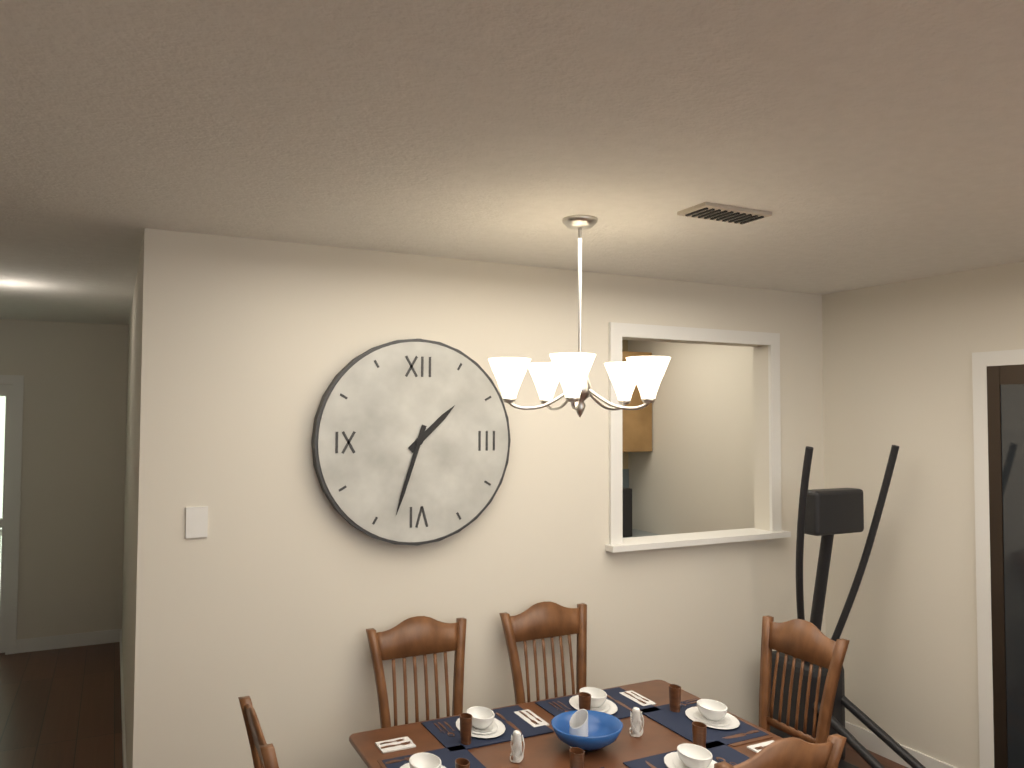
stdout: 1 h 33 min
